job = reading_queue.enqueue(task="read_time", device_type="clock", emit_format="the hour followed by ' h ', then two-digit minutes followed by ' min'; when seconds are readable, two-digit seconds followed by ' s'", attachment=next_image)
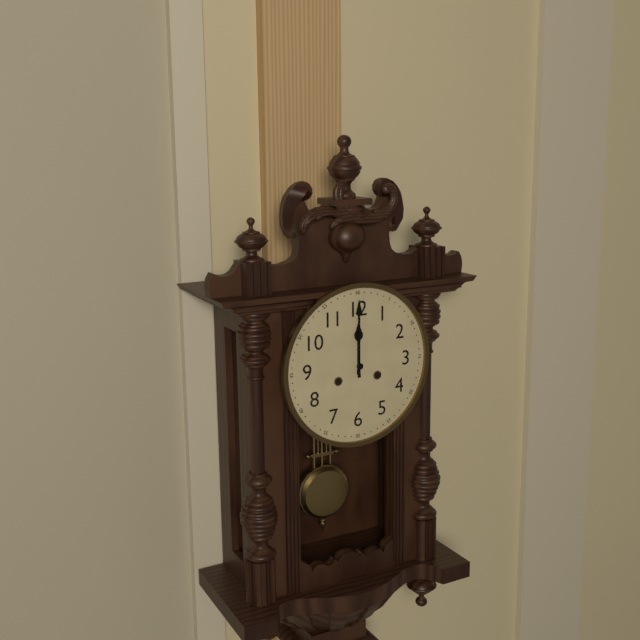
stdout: 12 h 00 min
